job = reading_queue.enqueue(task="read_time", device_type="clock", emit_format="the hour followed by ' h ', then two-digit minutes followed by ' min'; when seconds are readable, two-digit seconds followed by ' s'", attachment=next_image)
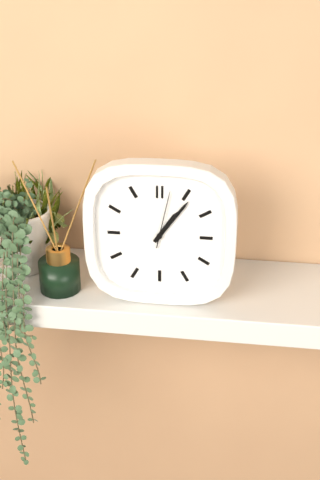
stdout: 1 h 06 min 02 s
